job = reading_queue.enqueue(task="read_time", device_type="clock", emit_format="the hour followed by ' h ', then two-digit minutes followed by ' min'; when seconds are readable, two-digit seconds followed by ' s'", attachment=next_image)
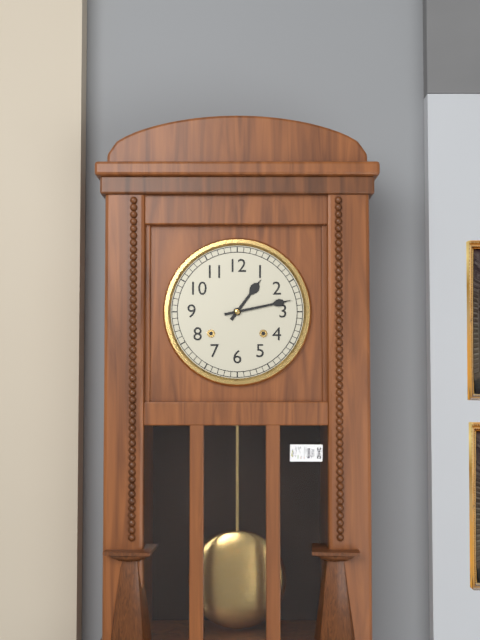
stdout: 1 h 13 min
